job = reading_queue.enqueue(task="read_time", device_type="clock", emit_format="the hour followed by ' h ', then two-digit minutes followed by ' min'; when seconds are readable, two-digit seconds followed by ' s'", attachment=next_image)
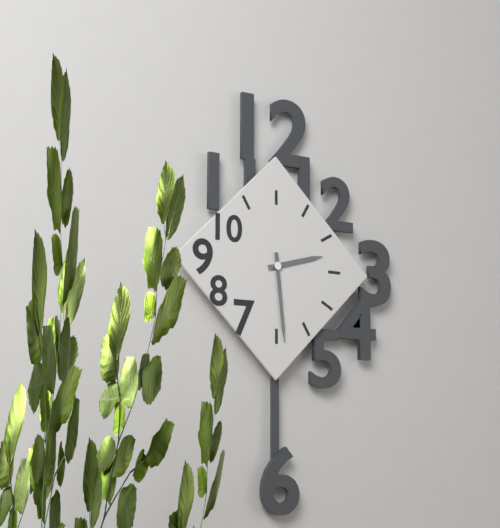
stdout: 2 h 29 min
